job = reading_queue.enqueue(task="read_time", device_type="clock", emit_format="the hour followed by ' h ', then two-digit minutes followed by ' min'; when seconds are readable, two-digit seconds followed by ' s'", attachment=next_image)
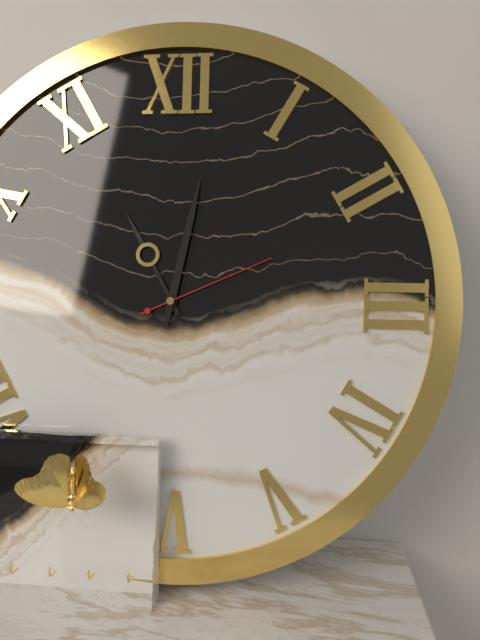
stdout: 11 h 02 min 11 s
